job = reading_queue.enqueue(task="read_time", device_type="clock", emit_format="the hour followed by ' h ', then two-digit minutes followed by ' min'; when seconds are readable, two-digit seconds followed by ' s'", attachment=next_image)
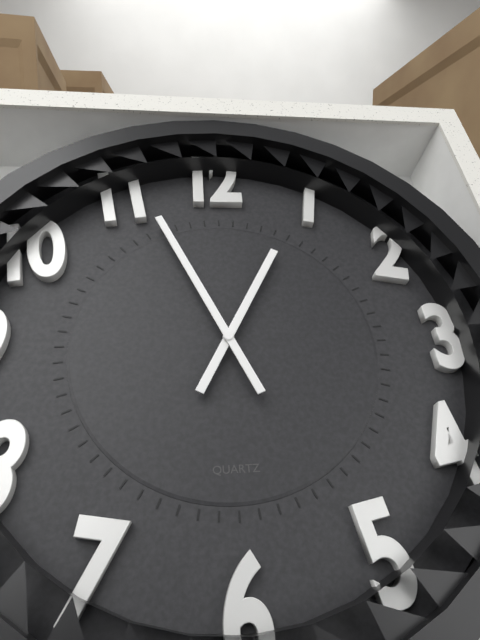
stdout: 12 h 56 min
